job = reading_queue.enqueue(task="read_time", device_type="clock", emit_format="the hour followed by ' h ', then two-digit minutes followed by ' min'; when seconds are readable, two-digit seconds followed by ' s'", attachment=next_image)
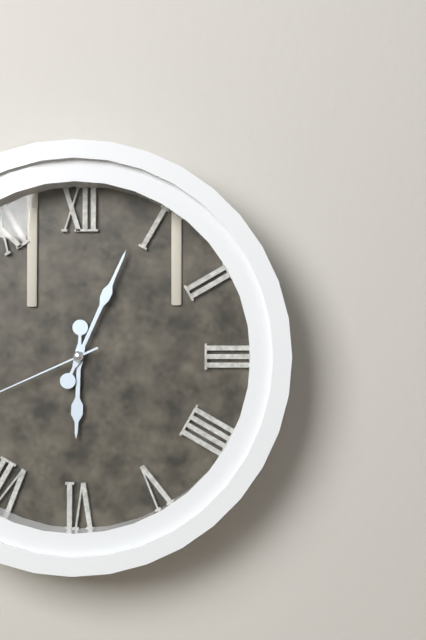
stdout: 6 h 04 min
